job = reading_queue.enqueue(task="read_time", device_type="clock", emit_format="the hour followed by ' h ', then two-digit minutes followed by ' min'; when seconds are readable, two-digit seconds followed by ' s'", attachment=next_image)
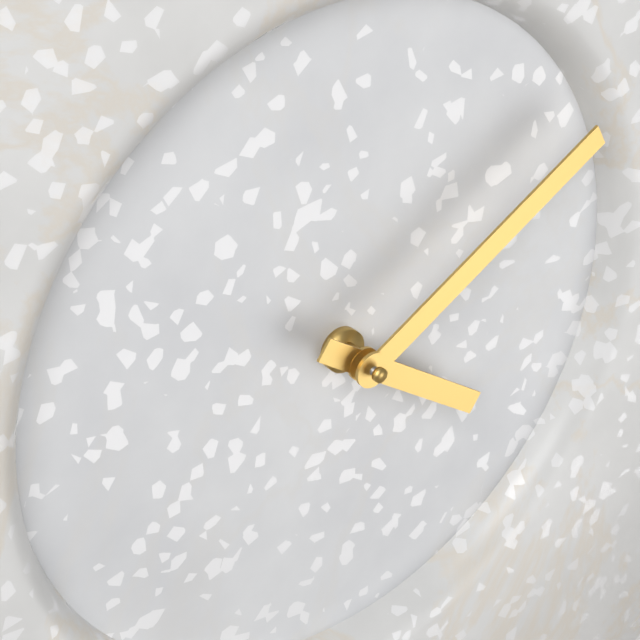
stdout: 4 h 10 min
